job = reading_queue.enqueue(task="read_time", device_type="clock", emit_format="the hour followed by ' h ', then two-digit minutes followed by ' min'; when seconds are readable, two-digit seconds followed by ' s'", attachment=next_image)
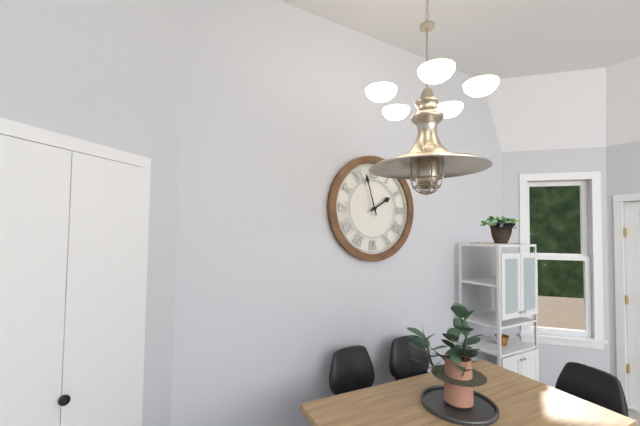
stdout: 1 h 57 min
